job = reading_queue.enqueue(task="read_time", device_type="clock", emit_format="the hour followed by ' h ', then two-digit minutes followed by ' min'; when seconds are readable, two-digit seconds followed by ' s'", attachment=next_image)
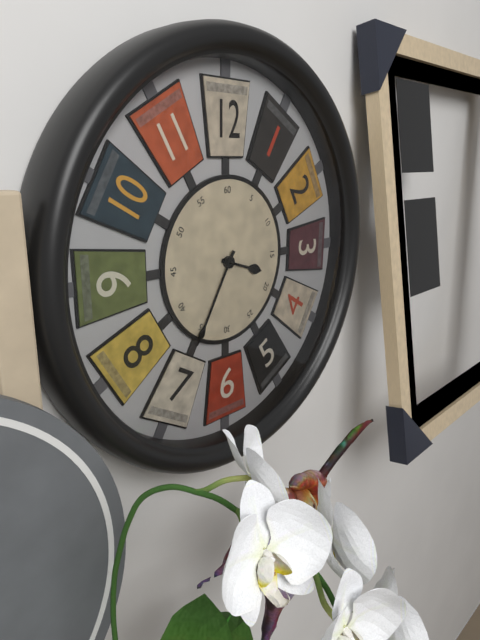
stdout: 3 h 35 min
